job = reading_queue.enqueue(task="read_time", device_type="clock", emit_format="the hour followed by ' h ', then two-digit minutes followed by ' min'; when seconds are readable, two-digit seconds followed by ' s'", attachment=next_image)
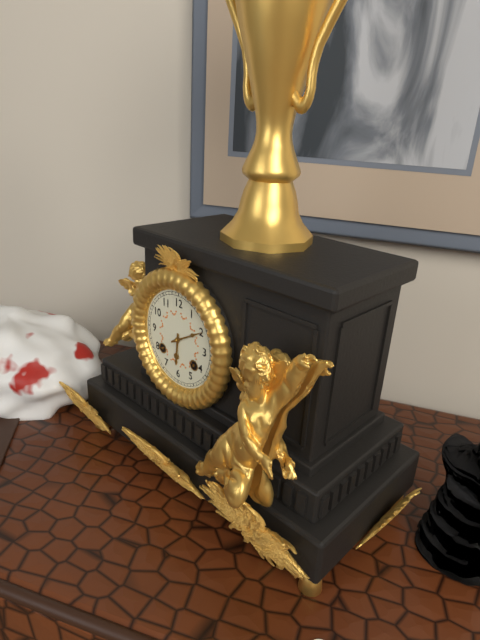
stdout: 6 h 10 min
